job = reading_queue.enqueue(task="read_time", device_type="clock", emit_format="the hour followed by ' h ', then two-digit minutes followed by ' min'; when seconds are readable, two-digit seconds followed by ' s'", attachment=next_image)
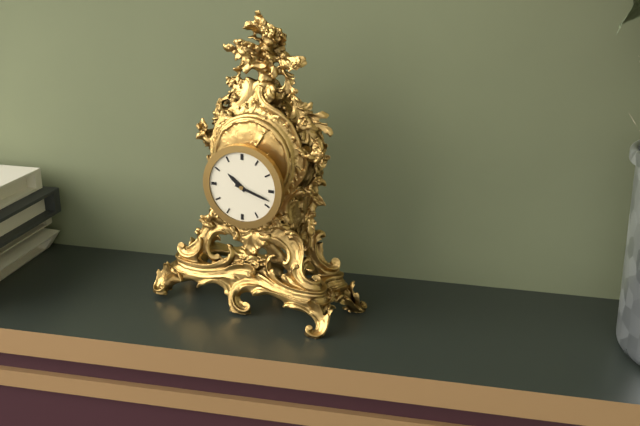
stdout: 10 h 18 min
